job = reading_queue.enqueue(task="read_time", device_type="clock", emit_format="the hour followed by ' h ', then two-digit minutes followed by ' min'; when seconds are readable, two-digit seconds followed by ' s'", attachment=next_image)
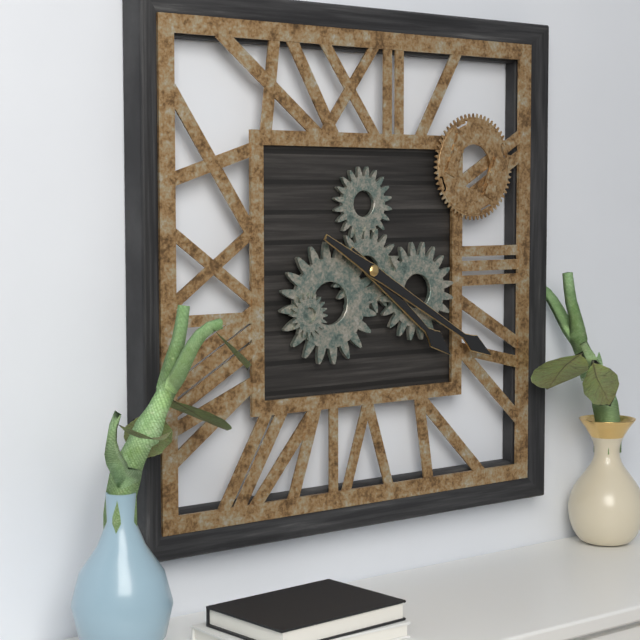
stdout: 4 h 20 min
